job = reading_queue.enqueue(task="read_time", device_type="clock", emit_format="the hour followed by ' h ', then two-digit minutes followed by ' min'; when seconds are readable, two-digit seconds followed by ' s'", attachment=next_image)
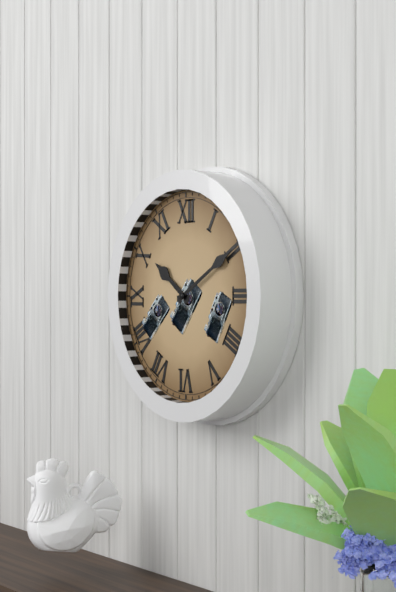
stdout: 10 h 10 min
